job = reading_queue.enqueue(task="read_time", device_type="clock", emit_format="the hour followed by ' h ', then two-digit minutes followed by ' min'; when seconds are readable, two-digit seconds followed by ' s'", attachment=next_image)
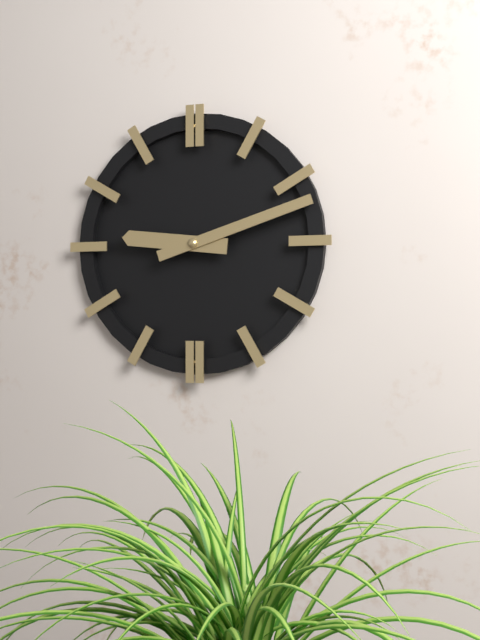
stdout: 9 h 12 min
